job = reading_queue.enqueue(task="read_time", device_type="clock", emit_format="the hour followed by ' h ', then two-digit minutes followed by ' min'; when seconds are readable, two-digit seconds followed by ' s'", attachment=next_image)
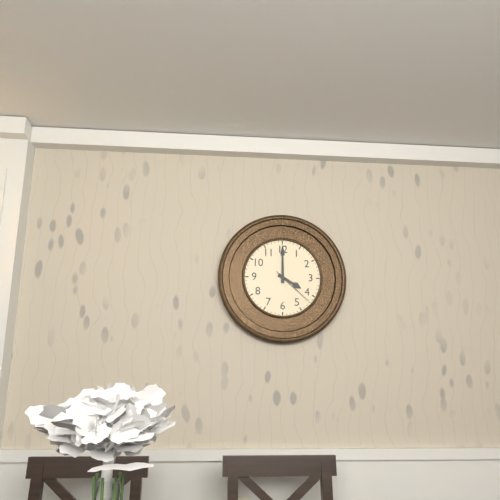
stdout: 4 h 00 min
